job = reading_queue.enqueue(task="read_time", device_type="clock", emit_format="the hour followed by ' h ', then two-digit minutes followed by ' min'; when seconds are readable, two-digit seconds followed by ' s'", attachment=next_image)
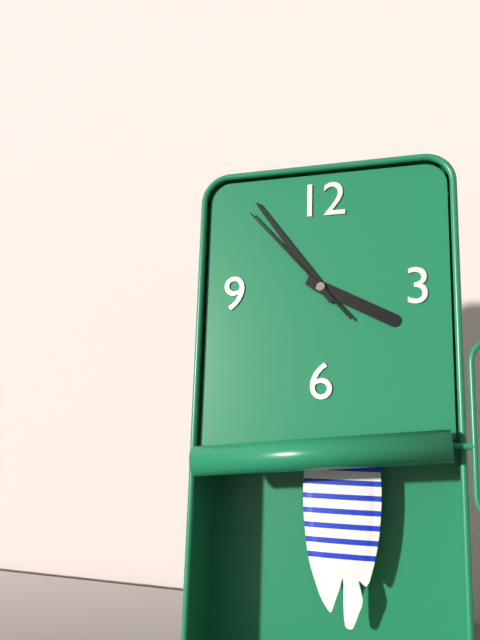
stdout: 3 h 54 min 53 s
